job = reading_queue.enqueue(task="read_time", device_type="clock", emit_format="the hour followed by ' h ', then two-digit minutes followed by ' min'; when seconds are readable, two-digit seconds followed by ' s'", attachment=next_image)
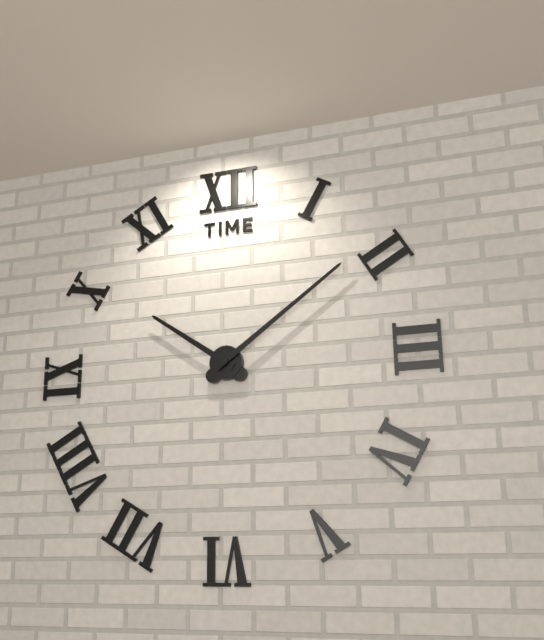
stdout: 10 h 09 min
